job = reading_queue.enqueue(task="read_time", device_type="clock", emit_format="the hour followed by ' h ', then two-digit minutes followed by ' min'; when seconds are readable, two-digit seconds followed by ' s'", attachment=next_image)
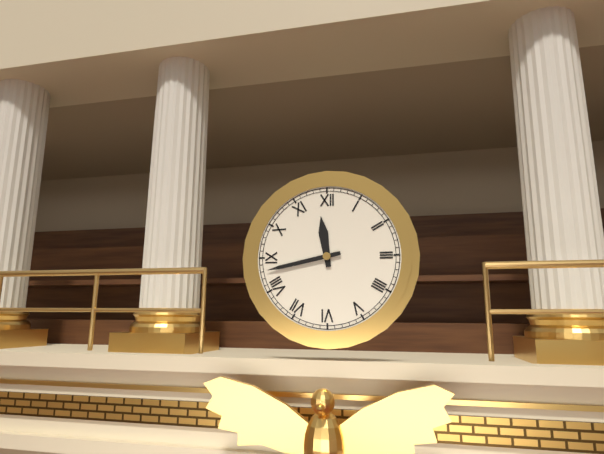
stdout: 11 h 43 min
